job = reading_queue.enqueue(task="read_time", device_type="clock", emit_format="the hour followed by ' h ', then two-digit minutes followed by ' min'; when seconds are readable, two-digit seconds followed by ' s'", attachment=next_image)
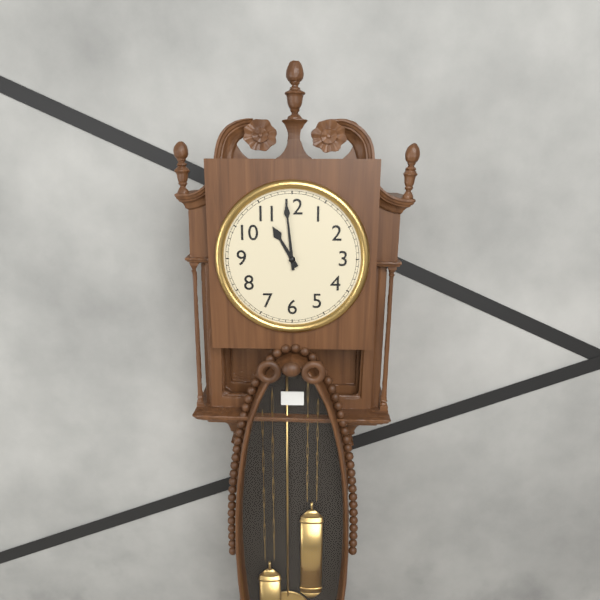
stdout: 10 h 59 min
